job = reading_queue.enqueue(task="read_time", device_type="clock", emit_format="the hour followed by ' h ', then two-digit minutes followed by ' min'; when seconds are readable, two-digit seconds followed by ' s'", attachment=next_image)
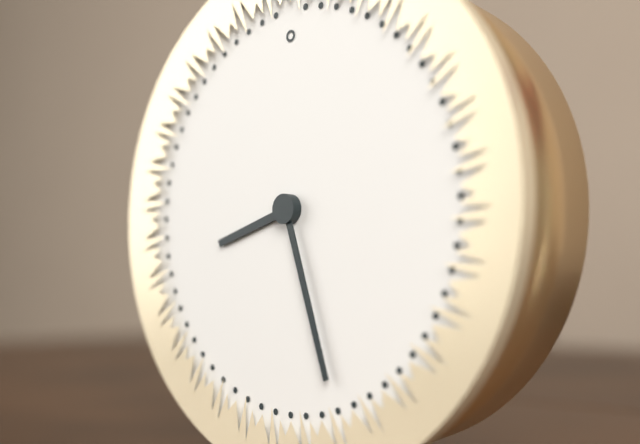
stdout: 8 h 27 min
